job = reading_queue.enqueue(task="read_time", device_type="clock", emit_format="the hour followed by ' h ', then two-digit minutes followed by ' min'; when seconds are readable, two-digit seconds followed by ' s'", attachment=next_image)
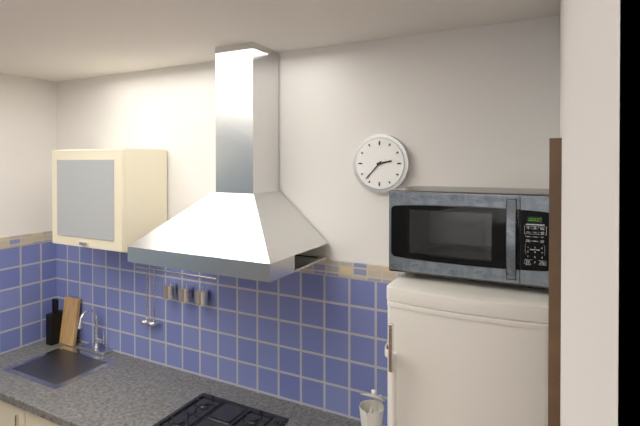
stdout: 2 h 37 min
